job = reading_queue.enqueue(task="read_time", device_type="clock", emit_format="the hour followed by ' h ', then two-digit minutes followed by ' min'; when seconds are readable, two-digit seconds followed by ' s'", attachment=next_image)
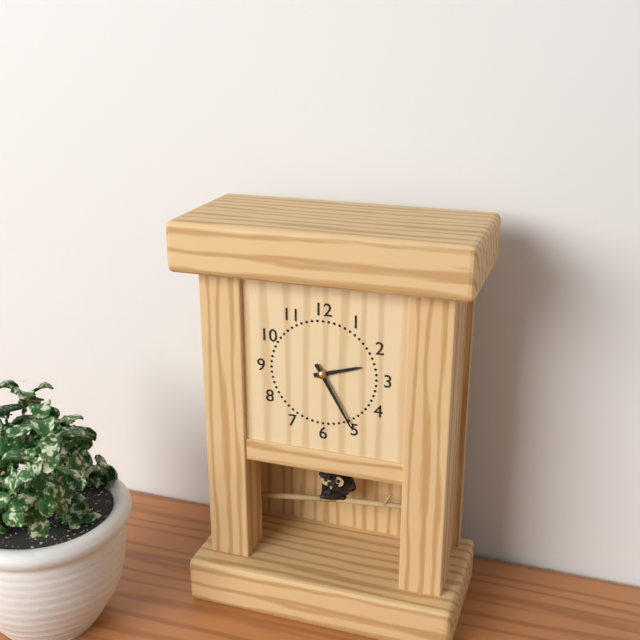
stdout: 2 h 25 min
